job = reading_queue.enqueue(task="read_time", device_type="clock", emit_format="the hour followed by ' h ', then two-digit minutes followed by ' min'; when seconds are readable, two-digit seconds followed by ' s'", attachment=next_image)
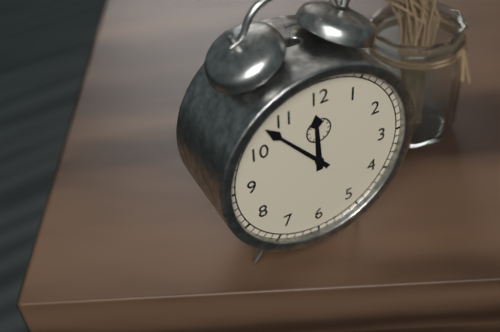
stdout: 11 h 53 min
